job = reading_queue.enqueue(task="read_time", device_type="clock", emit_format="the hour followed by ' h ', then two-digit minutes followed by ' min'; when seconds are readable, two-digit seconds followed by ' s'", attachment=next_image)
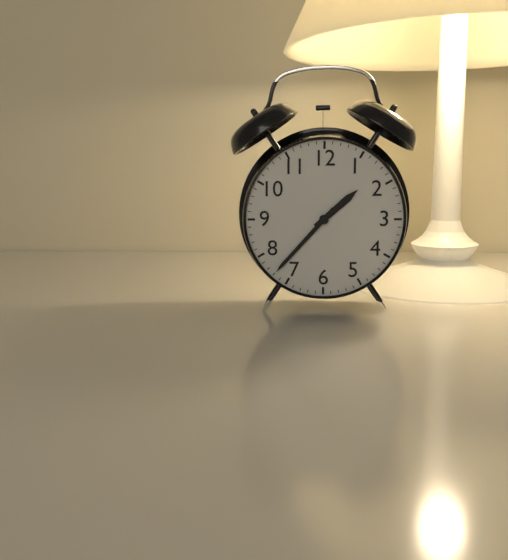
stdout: 1 h 37 min
